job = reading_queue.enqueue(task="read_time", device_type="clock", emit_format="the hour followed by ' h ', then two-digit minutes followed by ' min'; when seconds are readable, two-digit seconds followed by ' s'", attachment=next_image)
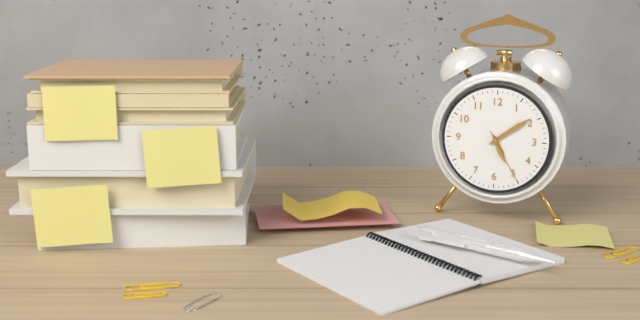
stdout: 5 h 09 min 25 s
